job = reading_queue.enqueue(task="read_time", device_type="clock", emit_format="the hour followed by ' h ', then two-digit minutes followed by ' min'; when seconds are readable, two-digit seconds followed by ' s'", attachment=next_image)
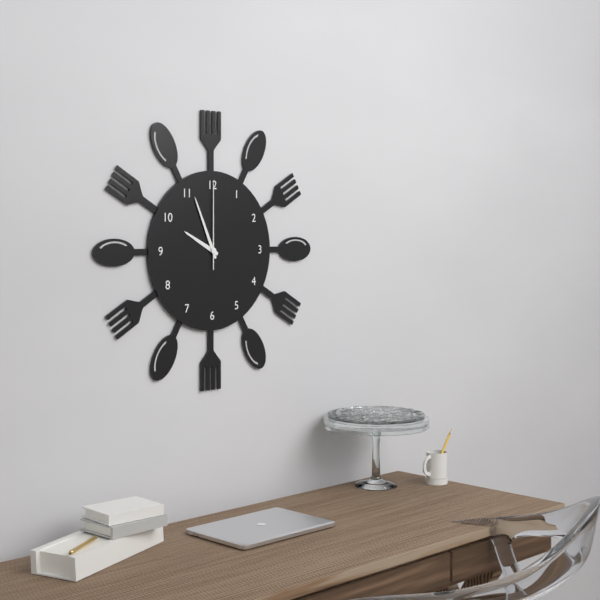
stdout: 9 h 56 min 00 s
